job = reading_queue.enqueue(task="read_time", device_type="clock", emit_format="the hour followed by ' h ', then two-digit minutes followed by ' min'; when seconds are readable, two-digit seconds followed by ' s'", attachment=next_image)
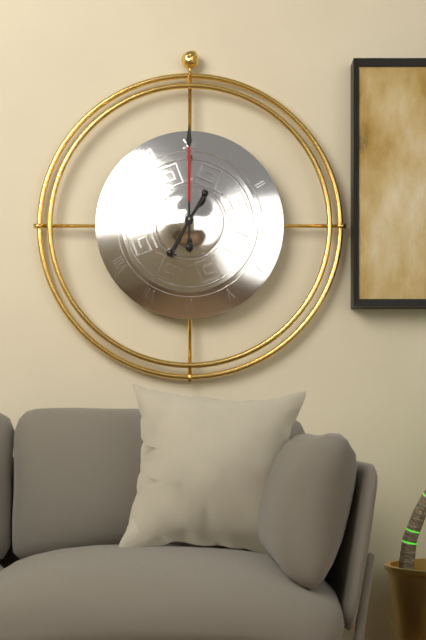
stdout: 7 h 00 min
